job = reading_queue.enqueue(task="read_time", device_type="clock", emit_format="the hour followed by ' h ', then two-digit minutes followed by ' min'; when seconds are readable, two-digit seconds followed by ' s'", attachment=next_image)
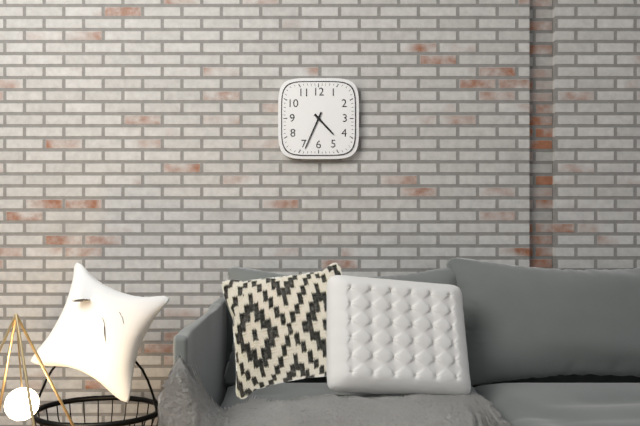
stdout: 4 h 34 min
